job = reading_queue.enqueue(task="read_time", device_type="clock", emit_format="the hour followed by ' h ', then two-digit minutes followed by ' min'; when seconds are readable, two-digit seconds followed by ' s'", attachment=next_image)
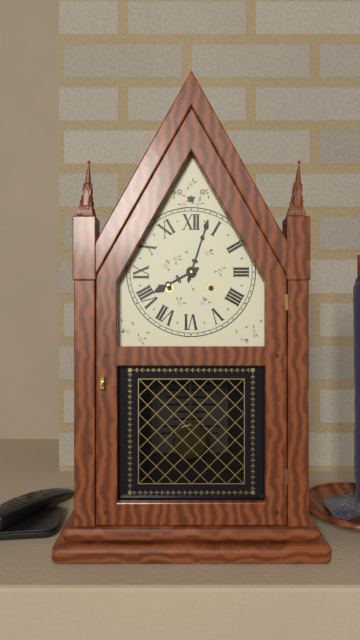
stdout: 8 h 03 min
